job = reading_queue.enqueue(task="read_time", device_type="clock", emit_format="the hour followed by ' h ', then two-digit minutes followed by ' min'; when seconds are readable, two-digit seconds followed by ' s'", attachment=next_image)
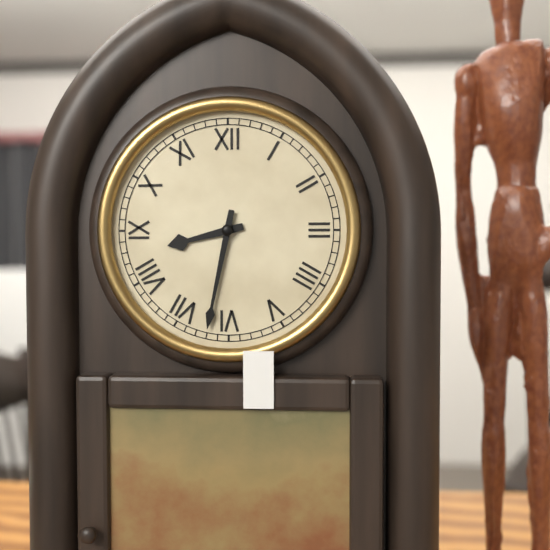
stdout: 8 h 32 min
